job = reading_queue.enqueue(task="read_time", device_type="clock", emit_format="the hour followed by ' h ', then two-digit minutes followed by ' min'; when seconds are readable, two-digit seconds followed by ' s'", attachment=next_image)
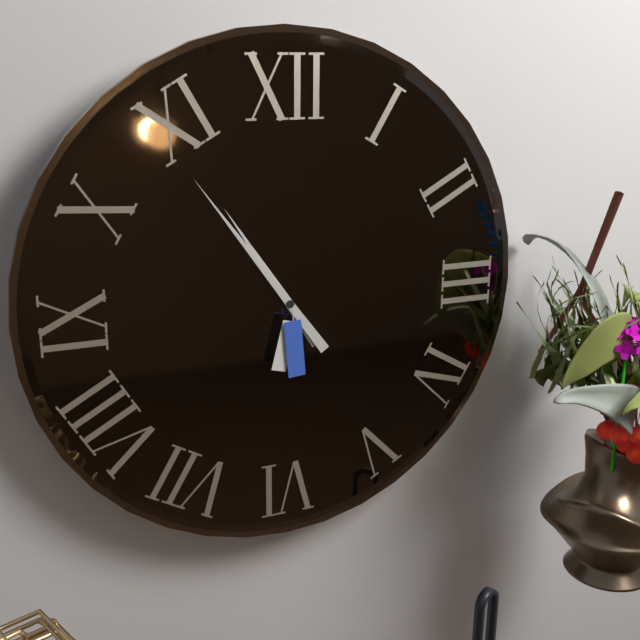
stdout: 10 h 54 min
